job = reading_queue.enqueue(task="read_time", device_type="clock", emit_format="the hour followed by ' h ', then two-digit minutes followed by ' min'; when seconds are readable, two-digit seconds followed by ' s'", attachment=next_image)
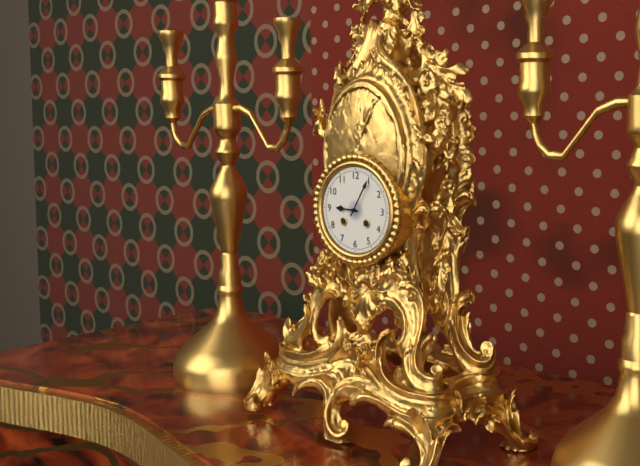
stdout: 9 h 05 min
